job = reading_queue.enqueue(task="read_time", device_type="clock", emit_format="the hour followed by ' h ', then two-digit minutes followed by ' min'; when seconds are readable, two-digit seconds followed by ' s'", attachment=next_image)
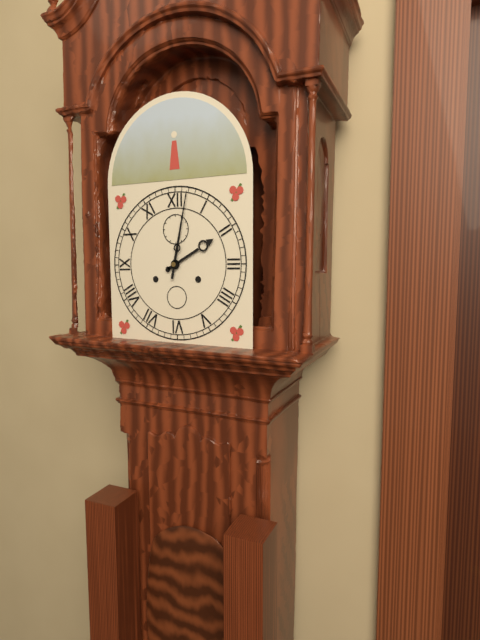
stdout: 2 h 02 min
